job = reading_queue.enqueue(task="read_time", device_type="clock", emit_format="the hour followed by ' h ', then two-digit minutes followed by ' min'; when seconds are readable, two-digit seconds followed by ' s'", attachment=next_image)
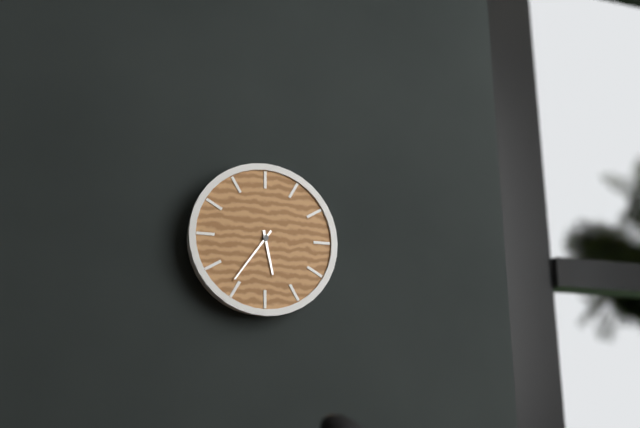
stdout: 5 h 36 min
